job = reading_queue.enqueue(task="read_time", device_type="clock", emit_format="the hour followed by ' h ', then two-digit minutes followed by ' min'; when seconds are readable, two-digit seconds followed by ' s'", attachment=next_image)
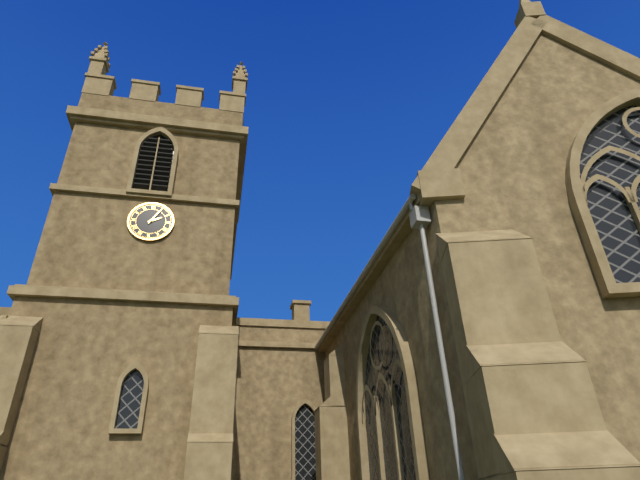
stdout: 2 h 05 min
